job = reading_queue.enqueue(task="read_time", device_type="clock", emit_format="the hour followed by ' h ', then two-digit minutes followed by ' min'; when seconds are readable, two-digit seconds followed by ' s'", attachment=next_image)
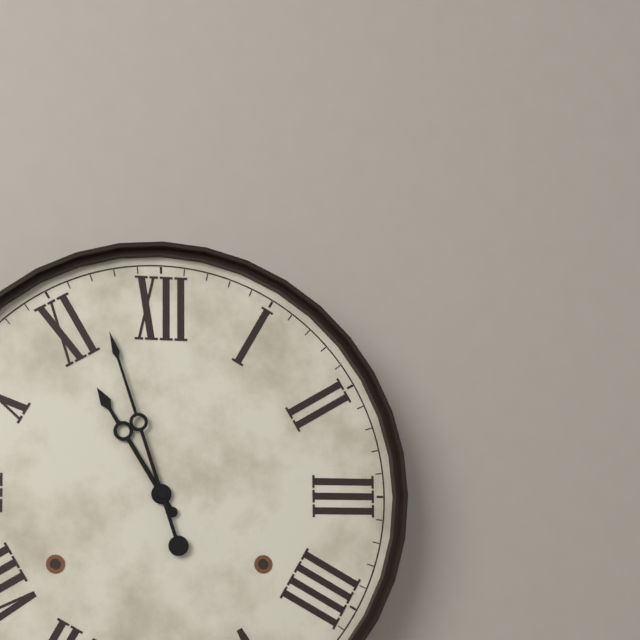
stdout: 10 h 57 min
